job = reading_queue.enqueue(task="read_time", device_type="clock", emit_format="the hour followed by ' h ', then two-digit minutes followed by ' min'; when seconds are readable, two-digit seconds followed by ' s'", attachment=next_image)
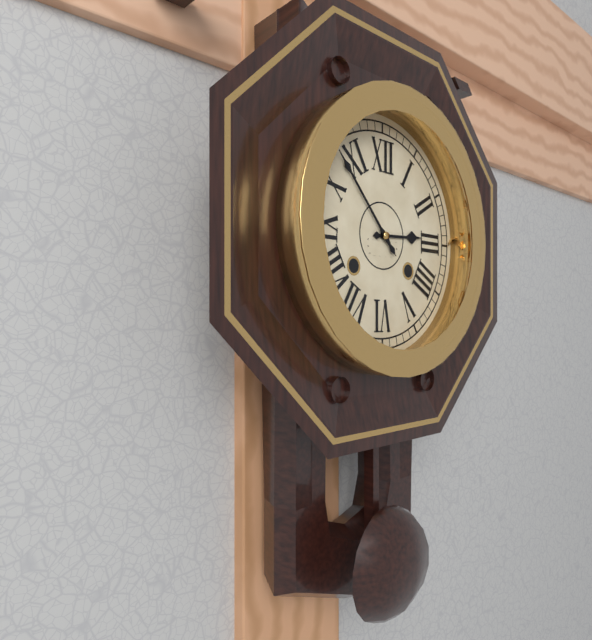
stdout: 2 h 53 min
